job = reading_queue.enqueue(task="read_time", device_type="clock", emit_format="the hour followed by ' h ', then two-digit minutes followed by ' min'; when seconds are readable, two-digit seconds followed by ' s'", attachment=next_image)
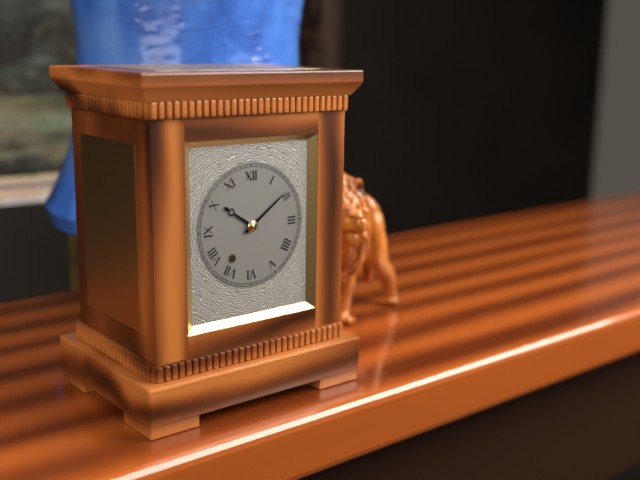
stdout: 10 h 09 min
